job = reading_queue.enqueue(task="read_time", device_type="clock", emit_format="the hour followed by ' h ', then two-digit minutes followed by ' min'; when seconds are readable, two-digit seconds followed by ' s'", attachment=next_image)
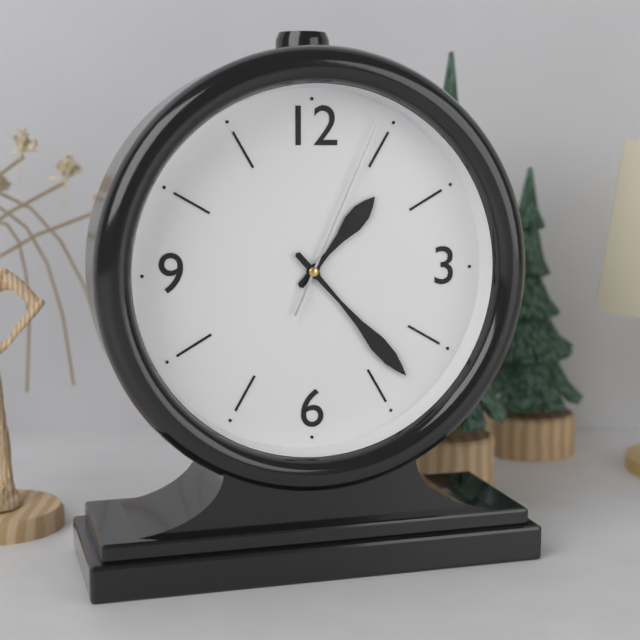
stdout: 1 h 23 min 04 s
